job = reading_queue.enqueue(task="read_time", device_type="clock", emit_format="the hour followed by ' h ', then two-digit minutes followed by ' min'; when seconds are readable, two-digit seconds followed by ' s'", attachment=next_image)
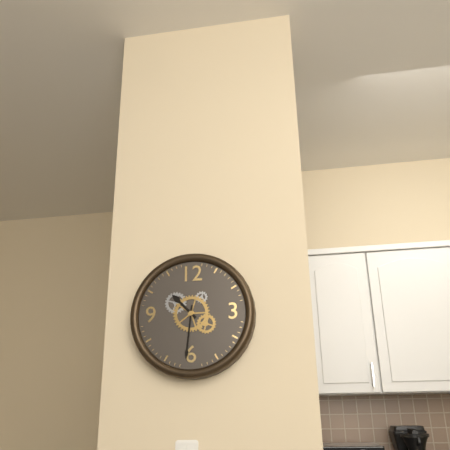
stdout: 10 h 31 min
